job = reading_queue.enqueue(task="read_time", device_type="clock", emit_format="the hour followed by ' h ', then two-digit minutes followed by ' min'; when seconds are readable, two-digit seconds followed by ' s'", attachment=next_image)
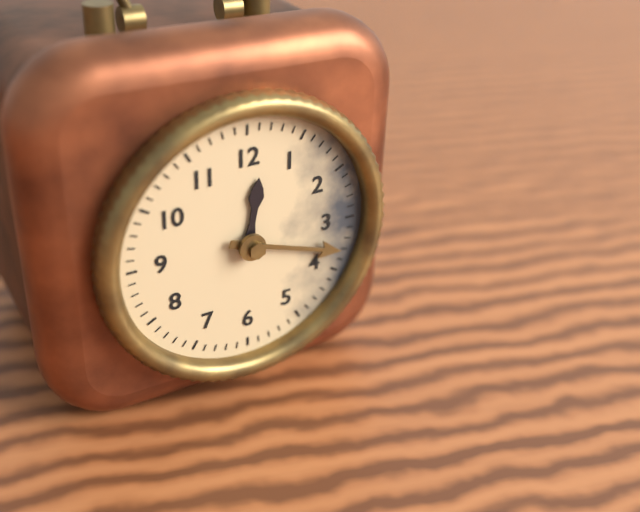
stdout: 12 h 18 min
